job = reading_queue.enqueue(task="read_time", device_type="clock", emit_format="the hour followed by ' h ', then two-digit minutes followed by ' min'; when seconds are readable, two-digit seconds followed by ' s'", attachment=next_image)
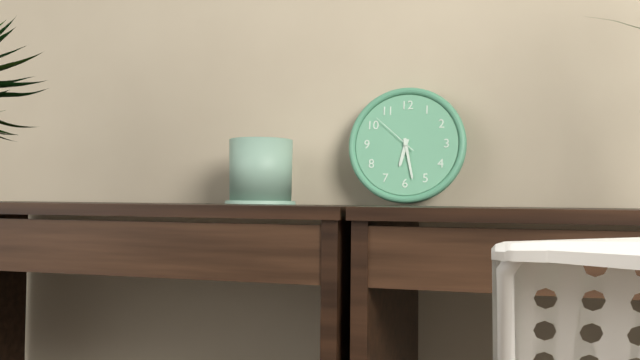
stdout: 6 h 28 min 52 s
